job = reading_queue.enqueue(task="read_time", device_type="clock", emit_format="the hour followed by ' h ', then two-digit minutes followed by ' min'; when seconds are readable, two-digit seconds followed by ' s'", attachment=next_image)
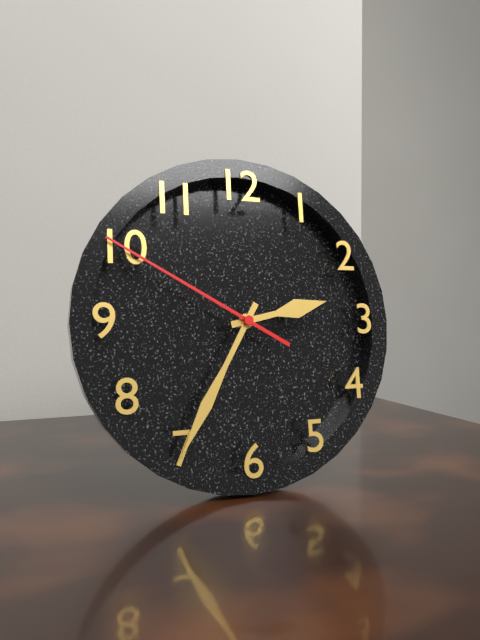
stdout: 2 h 35 min 50 s
